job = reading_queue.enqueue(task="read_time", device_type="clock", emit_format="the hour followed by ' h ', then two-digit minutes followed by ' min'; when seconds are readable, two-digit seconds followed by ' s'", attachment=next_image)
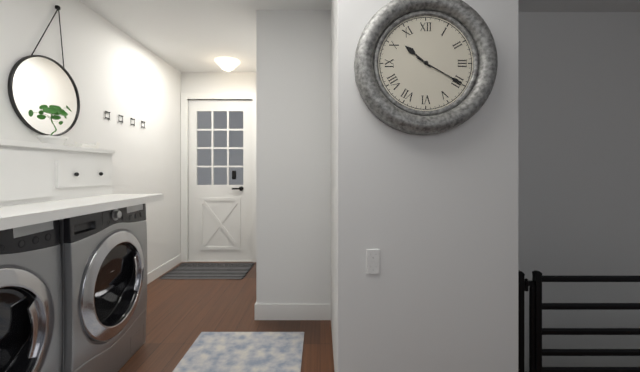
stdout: 10 h 20 min
